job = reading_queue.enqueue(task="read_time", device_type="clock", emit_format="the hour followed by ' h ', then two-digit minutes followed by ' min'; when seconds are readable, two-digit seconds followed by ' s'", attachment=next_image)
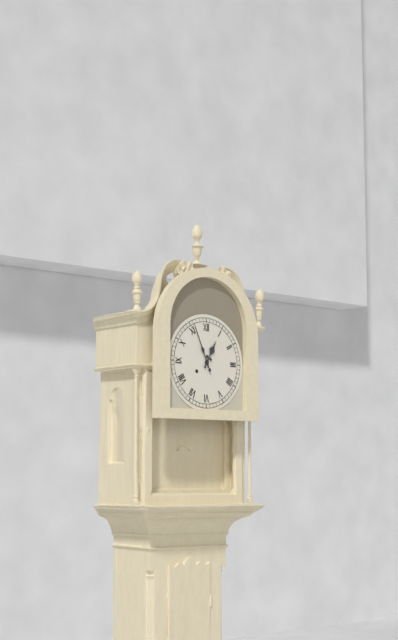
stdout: 12 h 56 min
